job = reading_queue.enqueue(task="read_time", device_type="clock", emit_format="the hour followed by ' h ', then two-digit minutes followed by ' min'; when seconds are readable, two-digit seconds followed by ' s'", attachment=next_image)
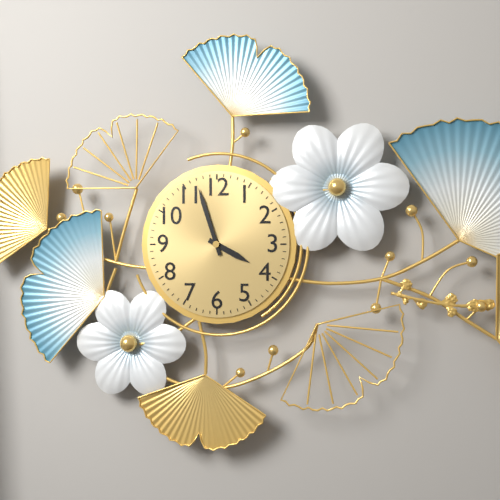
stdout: 3 h 57 min
